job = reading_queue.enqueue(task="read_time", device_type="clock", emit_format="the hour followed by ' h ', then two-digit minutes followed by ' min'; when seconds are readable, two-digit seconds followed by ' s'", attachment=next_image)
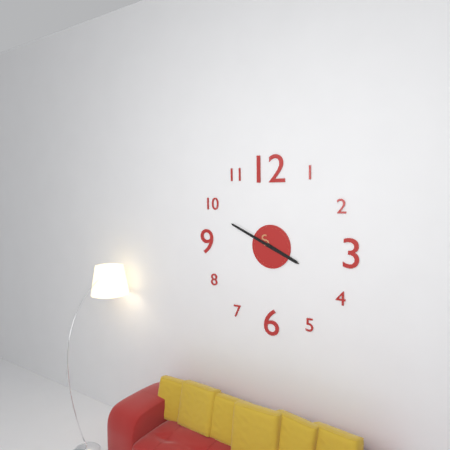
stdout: 3 h 49 min
